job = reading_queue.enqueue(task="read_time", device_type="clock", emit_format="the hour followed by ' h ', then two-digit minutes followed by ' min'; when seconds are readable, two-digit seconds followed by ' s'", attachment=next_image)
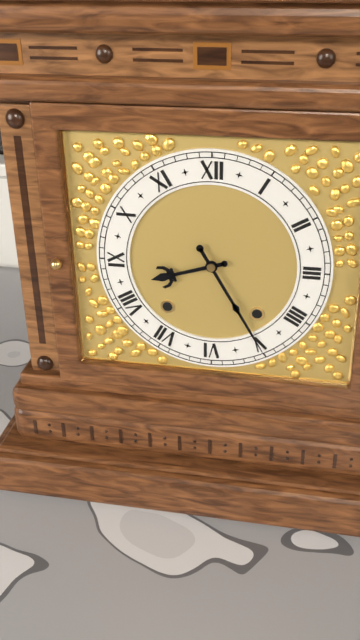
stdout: 8 h 25 min
